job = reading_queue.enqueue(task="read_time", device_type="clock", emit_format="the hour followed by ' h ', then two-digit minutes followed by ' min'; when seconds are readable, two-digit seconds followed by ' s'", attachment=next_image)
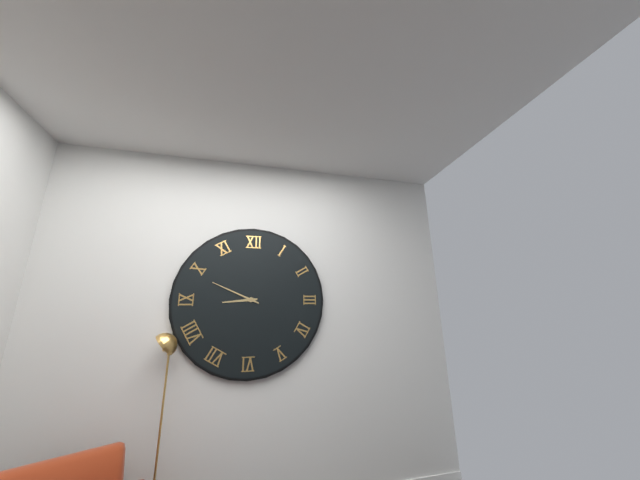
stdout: 8 h 49 min
